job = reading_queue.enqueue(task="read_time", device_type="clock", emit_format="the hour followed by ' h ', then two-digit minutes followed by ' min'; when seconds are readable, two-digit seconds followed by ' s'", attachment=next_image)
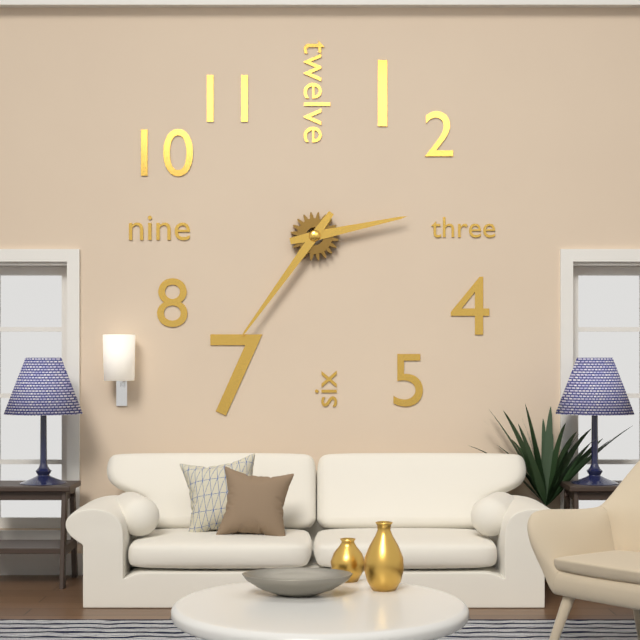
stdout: 2 h 36 min
